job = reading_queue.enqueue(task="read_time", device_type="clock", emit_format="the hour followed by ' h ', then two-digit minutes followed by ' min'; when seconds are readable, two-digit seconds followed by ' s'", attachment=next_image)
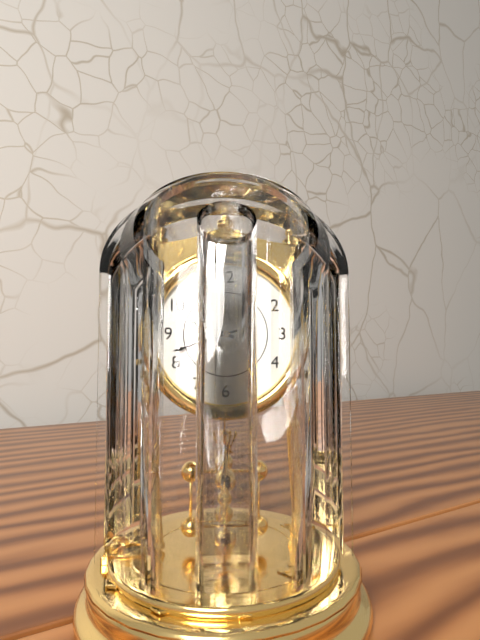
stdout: 9 h 42 min
